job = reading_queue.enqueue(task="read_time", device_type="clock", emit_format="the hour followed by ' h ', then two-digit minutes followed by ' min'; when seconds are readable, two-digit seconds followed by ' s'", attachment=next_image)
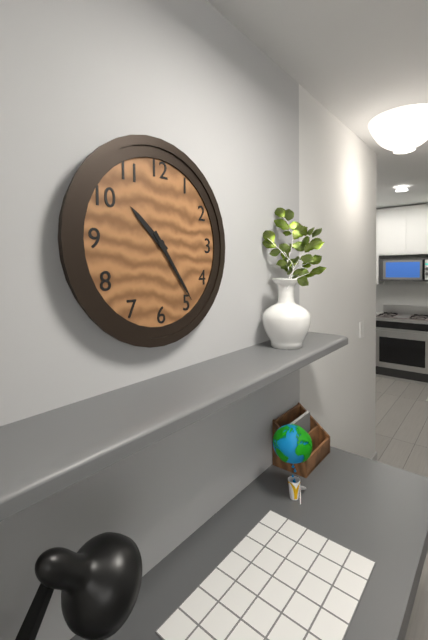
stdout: 10 h 24 min
